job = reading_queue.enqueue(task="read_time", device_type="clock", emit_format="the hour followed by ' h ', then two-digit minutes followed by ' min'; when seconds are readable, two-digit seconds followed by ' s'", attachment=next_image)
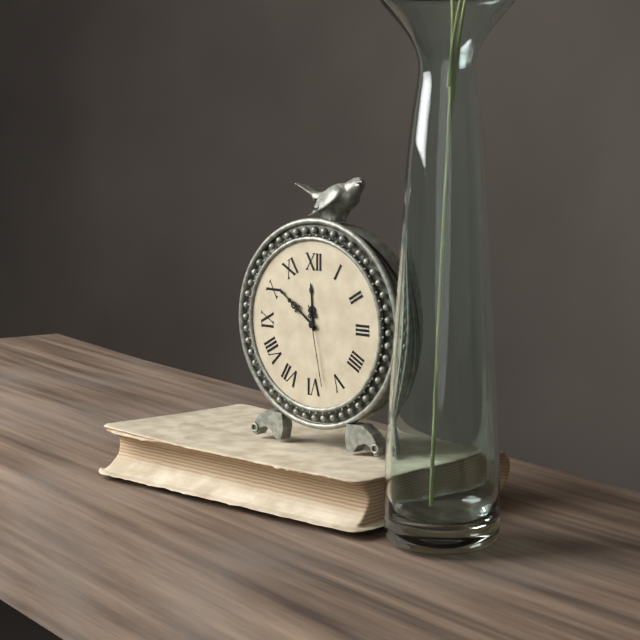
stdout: 11 h 51 min 28 s
